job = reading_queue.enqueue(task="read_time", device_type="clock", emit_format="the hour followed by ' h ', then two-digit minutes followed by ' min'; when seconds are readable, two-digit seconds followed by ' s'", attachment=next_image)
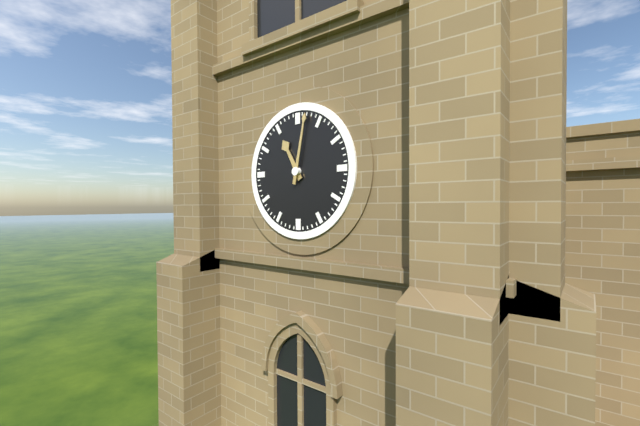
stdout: 11 h 02 min
